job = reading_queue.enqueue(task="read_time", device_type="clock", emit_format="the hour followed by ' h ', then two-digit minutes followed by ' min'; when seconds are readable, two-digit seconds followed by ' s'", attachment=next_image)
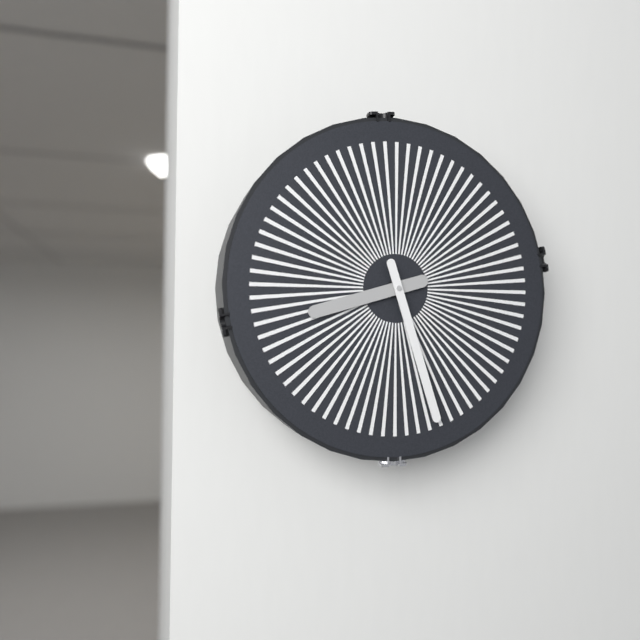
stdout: 8 h 27 min
